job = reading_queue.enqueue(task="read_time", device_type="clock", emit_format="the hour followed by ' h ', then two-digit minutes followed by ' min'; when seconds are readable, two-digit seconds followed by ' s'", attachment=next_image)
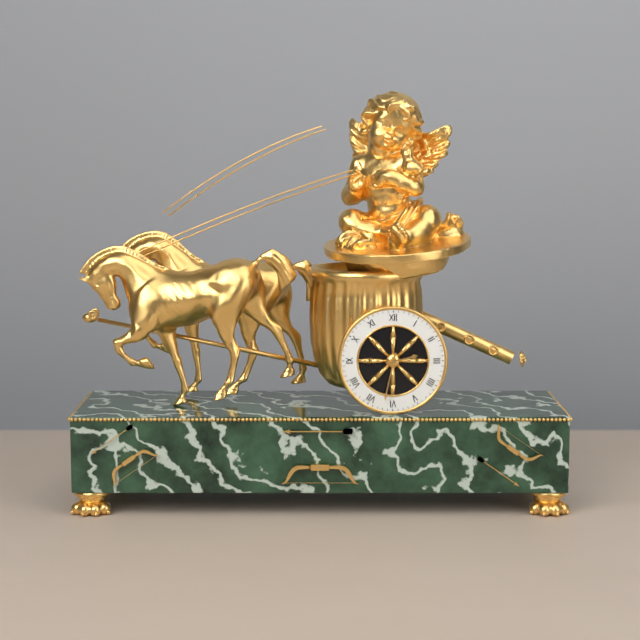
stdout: 2 h 32 min
